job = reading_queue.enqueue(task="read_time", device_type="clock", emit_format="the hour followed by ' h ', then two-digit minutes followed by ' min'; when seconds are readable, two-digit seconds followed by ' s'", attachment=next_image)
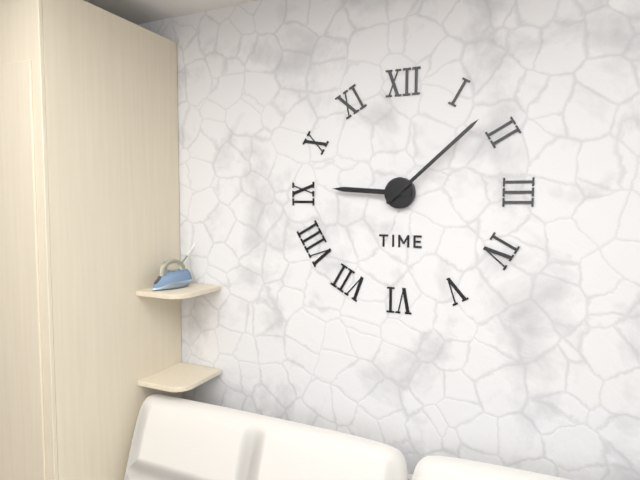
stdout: 9 h 08 min
